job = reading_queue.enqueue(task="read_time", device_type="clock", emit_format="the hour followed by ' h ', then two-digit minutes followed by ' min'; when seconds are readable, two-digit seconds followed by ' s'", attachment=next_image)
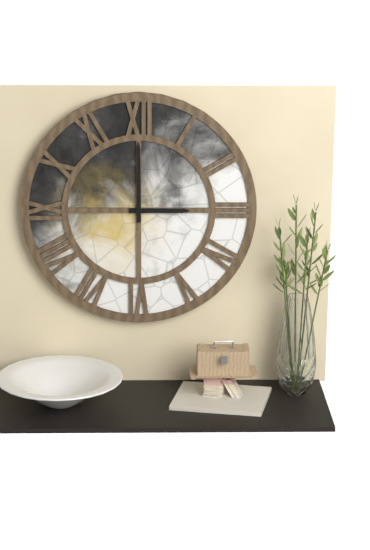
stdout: 3 h 00 min
